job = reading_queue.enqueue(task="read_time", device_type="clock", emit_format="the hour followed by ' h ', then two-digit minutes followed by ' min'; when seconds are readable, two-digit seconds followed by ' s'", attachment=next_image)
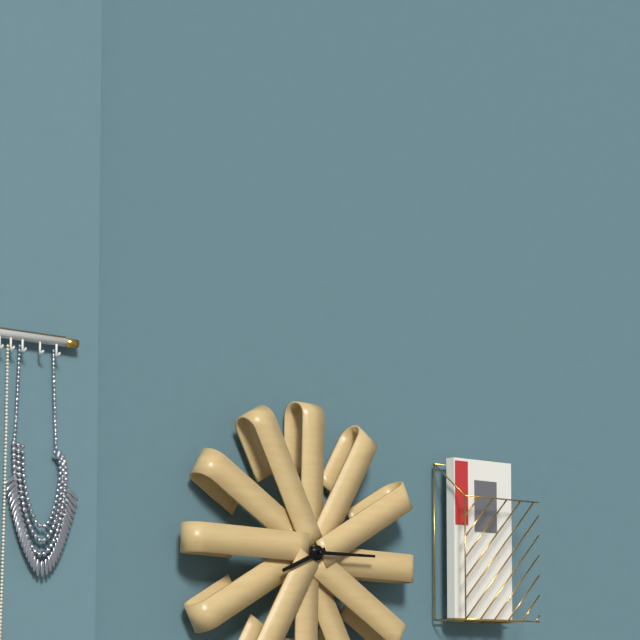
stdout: 8 h 15 min
